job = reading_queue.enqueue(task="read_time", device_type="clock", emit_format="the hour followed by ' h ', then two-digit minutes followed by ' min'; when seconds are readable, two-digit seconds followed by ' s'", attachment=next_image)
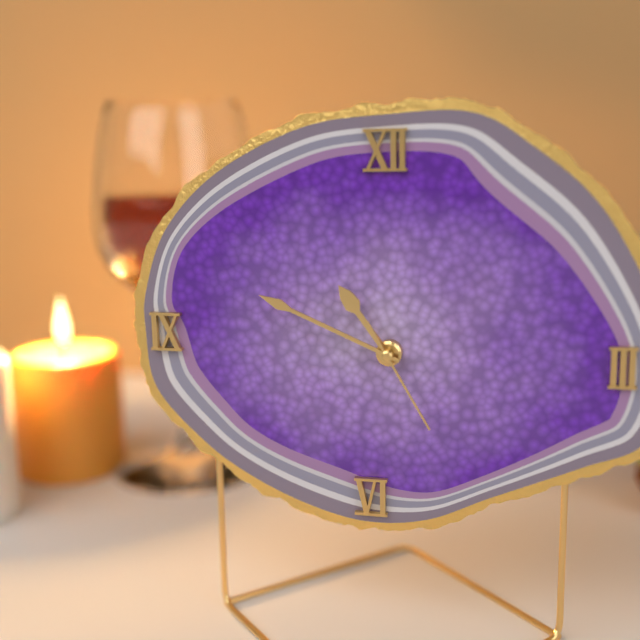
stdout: 10 h 49 min 25 s
